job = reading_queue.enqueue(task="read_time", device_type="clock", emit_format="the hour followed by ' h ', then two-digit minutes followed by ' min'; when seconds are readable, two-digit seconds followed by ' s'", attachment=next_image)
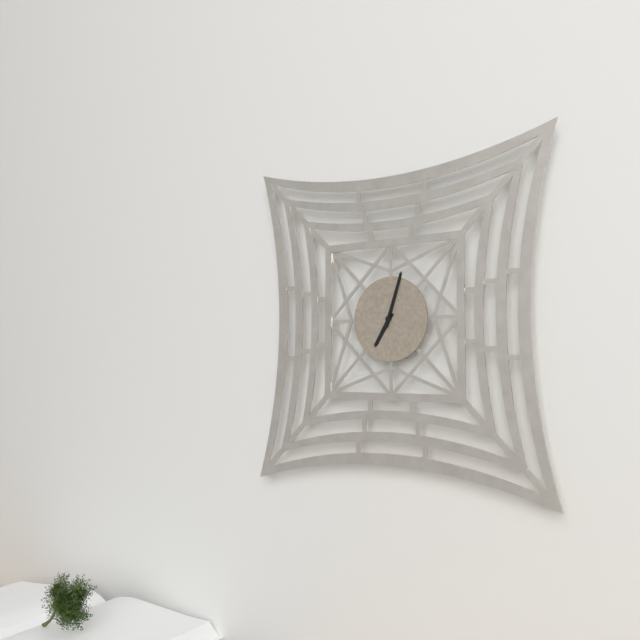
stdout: 7 h 03 min
